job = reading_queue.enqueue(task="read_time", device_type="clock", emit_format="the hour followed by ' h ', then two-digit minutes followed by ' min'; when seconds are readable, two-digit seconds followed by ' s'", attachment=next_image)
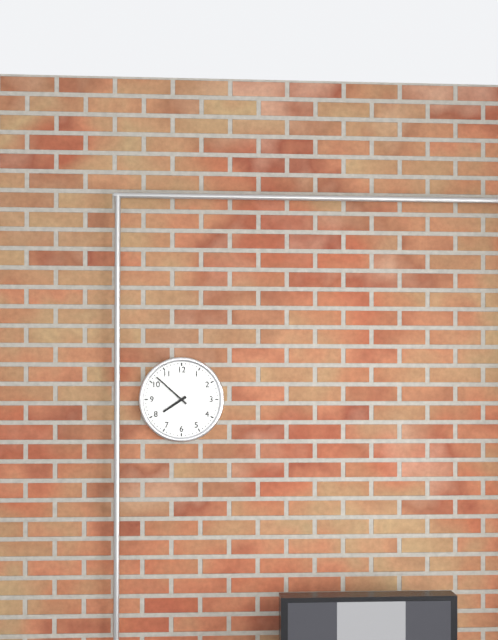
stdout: 7 h 52 min
